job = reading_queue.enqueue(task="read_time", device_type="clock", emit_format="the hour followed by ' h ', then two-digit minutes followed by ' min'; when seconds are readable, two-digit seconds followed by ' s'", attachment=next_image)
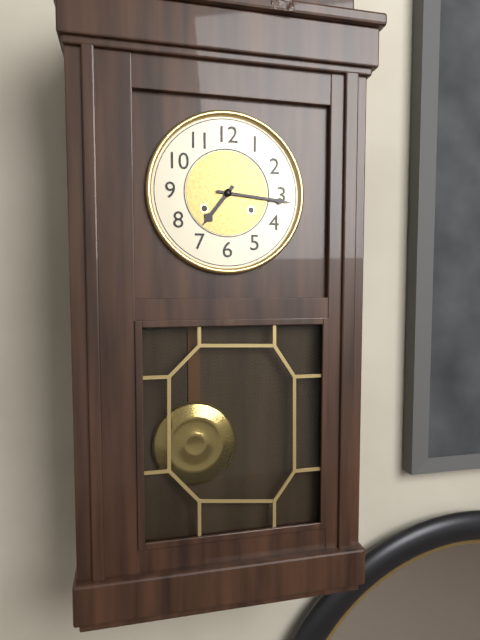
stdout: 7 h 16 min
